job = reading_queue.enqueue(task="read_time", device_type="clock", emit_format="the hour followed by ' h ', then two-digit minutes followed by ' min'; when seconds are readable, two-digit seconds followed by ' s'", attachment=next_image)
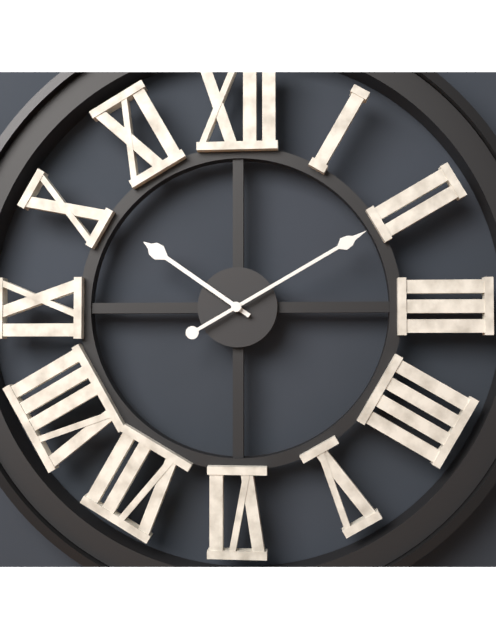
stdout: 10 h 10 min
